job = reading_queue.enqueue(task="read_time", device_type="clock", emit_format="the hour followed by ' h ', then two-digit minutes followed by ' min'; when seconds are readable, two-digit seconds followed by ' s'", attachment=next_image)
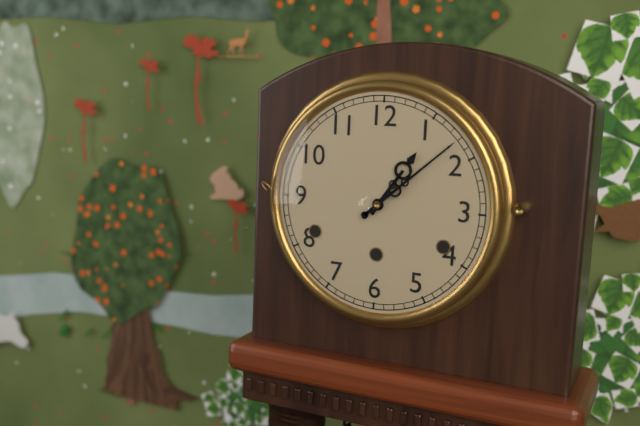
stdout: 1 h 08 min
